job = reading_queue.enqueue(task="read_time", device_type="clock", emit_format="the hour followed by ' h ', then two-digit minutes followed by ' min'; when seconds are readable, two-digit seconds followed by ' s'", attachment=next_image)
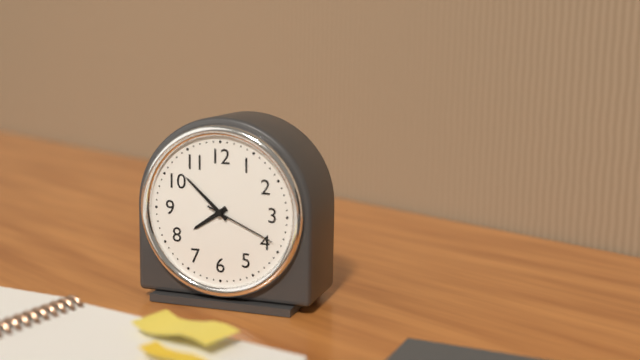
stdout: 7 h 52 min 19 s
